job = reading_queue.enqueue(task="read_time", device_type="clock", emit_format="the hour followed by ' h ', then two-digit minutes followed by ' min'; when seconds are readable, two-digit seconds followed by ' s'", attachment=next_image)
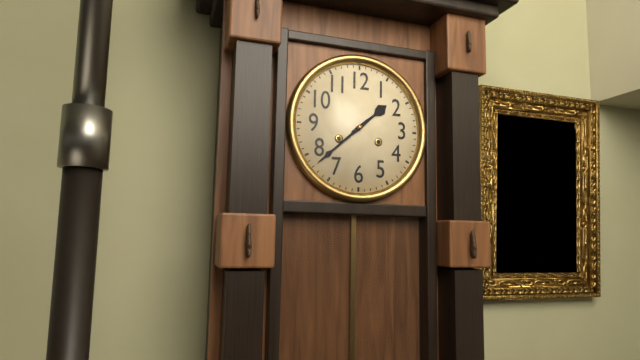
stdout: 1 h 38 min
